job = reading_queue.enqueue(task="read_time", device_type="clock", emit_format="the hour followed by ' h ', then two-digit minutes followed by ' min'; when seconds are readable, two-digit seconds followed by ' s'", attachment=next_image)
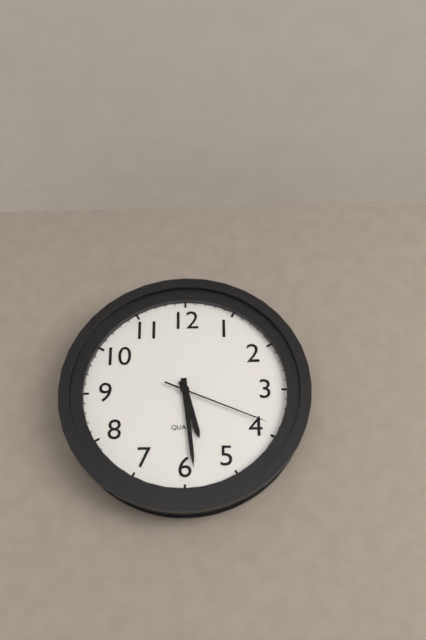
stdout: 5 h 29 min 19 s
